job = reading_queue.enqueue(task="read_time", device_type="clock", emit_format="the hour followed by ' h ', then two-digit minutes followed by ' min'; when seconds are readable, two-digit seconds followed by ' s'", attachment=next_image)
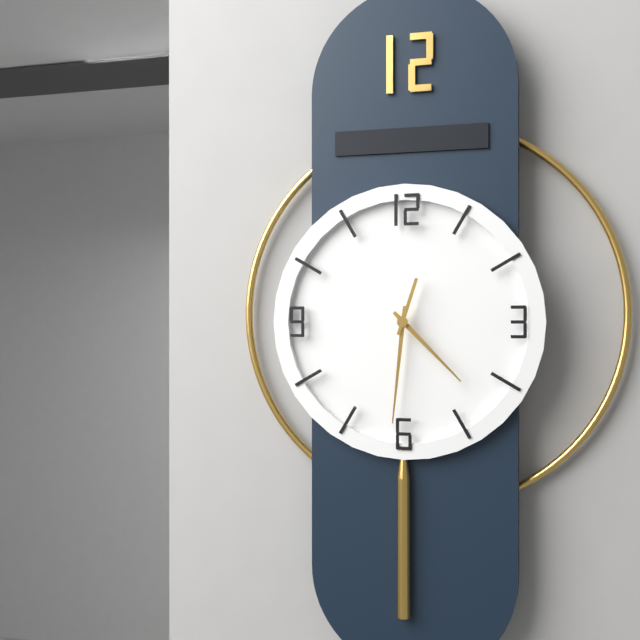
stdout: 4 h 31 min 03 s
